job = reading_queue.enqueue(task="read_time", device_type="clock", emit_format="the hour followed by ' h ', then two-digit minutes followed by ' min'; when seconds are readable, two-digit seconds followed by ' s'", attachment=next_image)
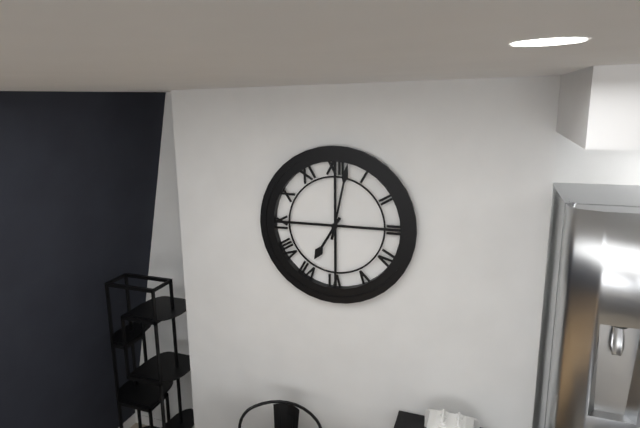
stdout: 7 h 02 min
